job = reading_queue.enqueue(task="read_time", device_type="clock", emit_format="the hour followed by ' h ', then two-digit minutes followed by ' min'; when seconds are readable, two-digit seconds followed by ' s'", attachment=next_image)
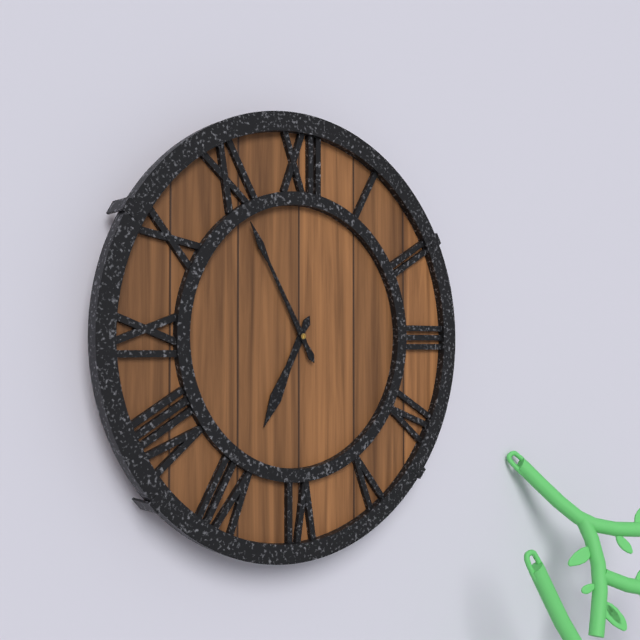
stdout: 6 h 55 min
